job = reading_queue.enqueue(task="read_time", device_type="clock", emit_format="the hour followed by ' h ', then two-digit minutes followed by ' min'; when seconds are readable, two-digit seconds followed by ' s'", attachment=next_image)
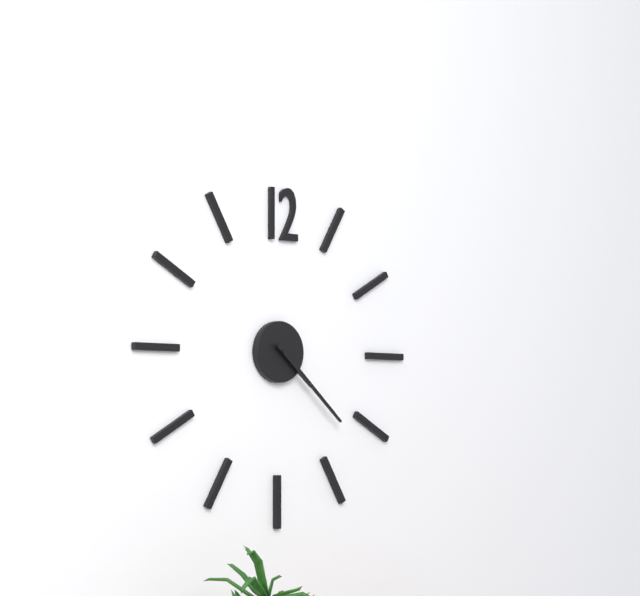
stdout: 4 h 22 min
